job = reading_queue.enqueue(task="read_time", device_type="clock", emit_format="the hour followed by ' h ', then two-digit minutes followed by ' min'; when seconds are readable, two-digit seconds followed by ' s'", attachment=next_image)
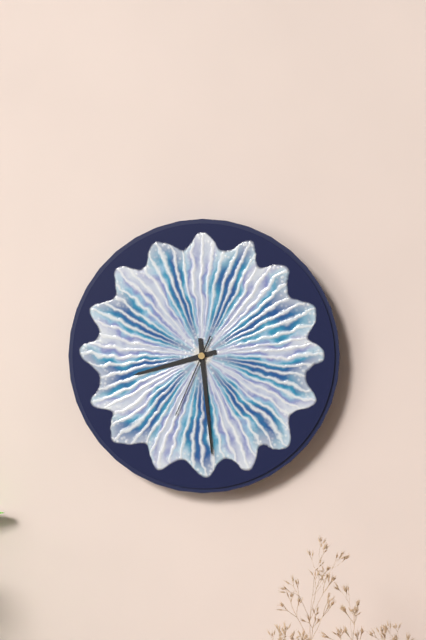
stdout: 8 h 29 min 34 s
